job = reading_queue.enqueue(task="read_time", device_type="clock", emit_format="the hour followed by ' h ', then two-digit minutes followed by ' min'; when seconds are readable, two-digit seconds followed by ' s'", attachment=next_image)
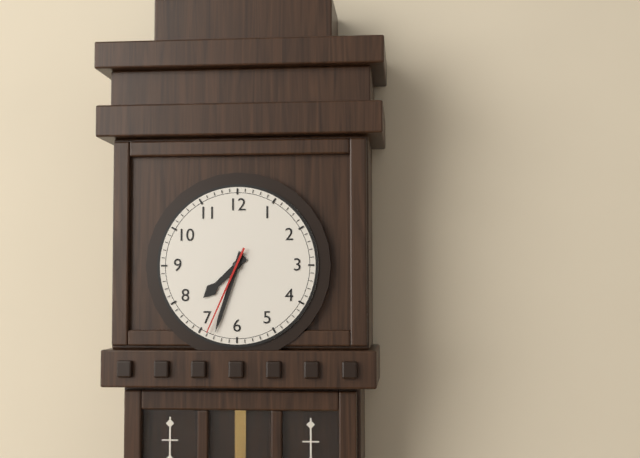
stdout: 7 h 33 min 34 s
